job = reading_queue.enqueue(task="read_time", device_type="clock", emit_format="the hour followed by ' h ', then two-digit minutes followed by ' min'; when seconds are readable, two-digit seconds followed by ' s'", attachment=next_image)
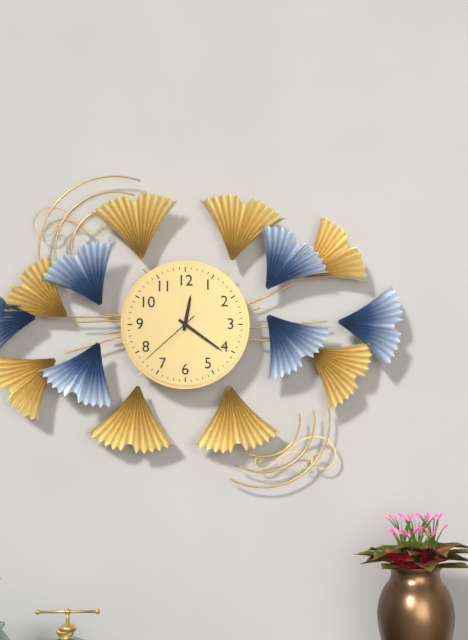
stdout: 12 h 21 min 38 s
